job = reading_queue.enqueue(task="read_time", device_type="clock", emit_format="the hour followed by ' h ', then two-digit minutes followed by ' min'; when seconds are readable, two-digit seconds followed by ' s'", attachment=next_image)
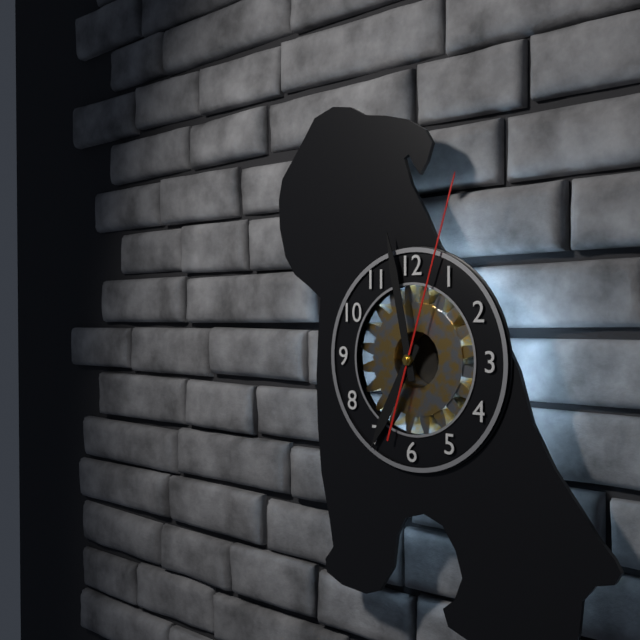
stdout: 6 h 58 min 03 s
